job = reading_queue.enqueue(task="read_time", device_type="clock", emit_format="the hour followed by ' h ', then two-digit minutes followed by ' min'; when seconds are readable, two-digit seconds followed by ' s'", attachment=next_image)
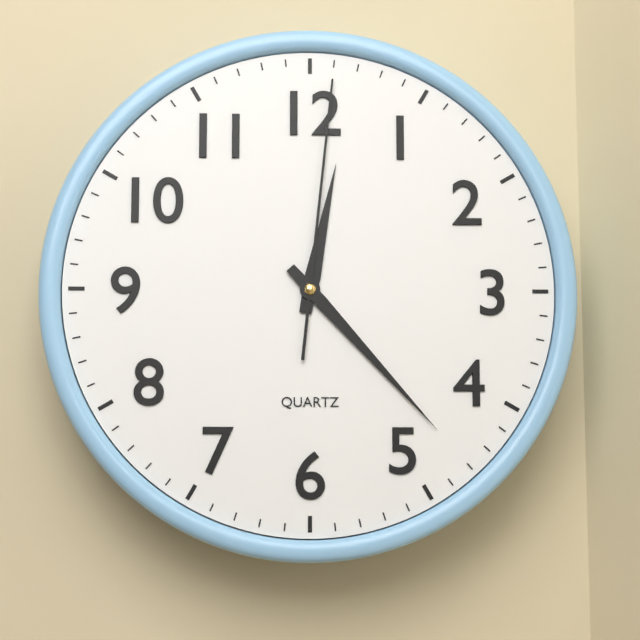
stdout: 12 h 23 min 01 s
